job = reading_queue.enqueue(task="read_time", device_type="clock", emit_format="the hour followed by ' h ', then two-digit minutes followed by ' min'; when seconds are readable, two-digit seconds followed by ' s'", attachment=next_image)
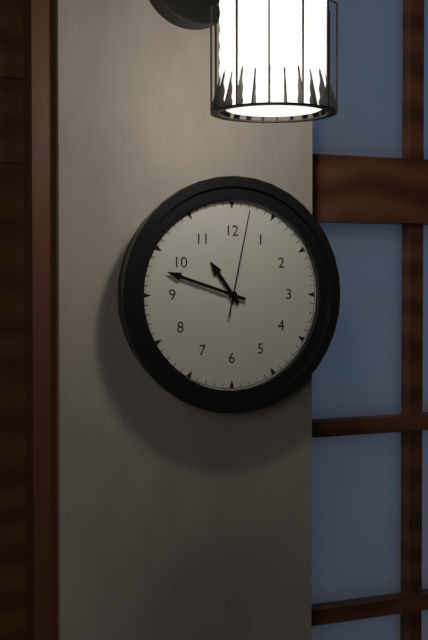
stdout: 10 h 48 min 02 s
